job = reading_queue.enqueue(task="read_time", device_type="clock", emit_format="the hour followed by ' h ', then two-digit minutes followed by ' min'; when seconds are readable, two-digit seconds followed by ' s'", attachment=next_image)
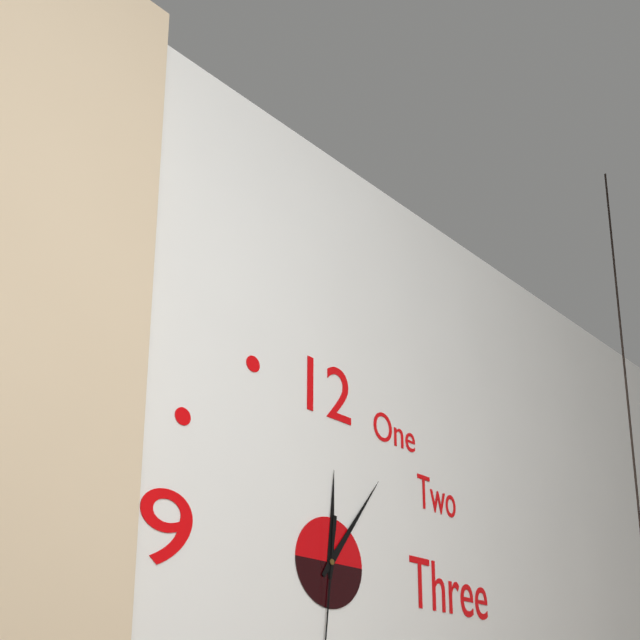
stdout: 12 h 06 min
